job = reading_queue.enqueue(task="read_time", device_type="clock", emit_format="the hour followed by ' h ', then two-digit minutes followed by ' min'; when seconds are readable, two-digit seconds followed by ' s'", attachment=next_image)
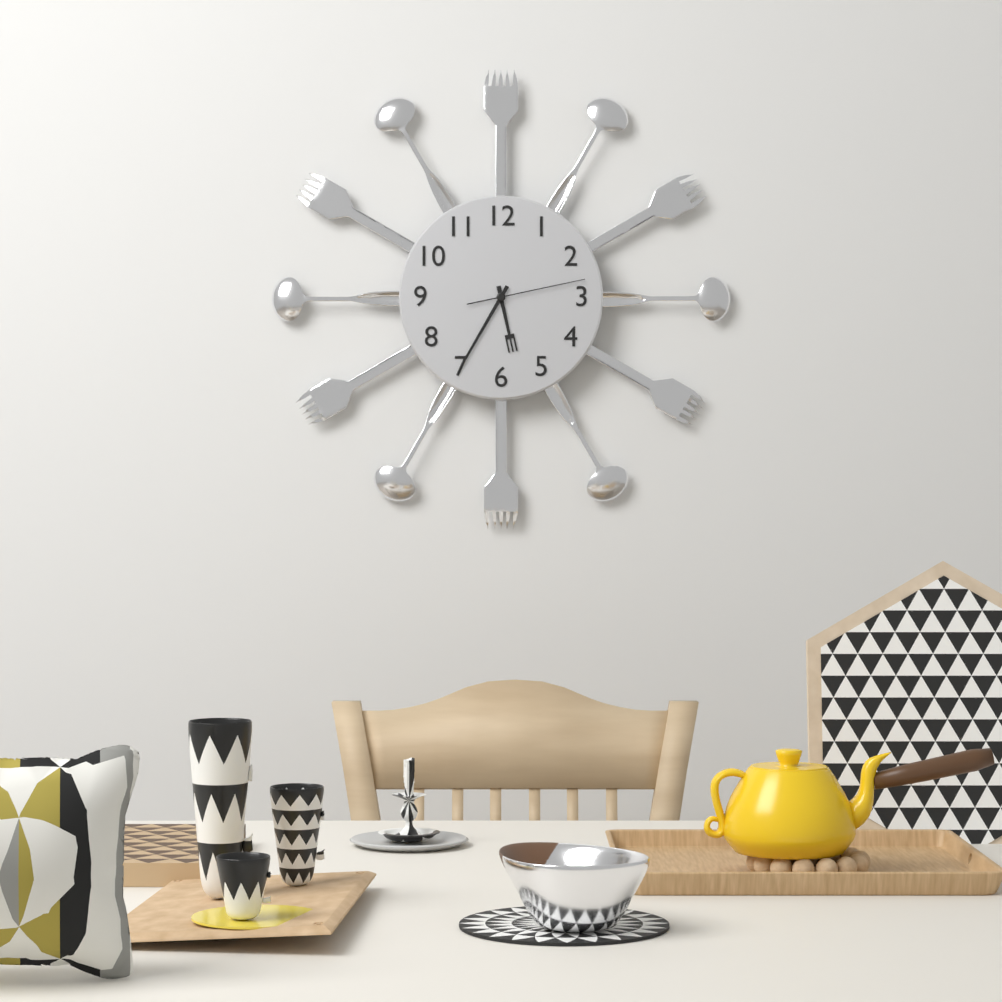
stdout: 5 h 35 min 13 s
